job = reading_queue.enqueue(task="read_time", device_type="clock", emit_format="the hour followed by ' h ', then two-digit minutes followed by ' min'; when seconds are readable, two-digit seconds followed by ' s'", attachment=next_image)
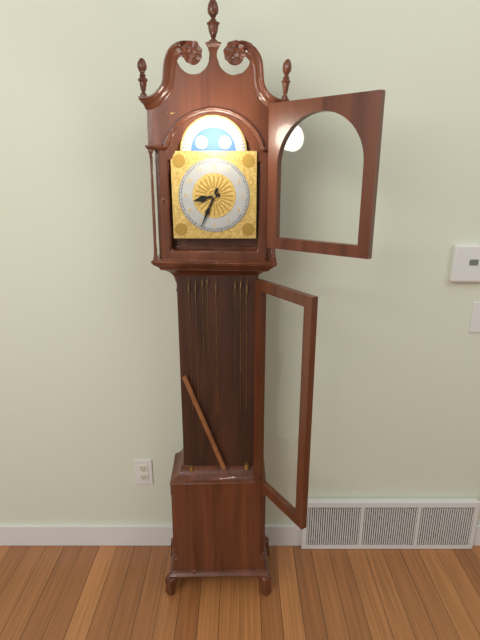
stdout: 8 h 34 min
